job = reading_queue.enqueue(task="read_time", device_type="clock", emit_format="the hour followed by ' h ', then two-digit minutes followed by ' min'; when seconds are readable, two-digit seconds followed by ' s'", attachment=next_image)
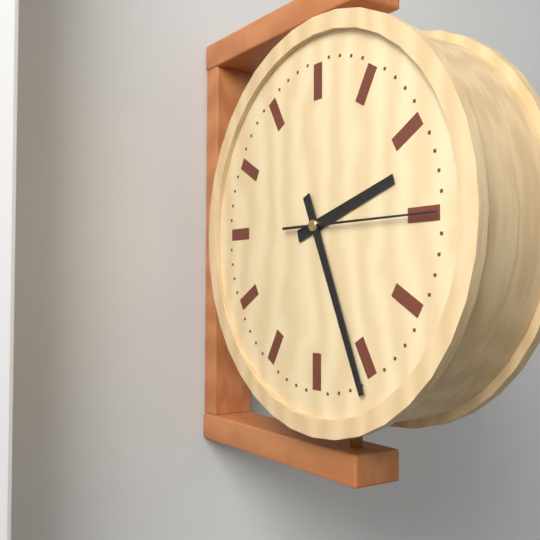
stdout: 2 h 26 min 15 s
